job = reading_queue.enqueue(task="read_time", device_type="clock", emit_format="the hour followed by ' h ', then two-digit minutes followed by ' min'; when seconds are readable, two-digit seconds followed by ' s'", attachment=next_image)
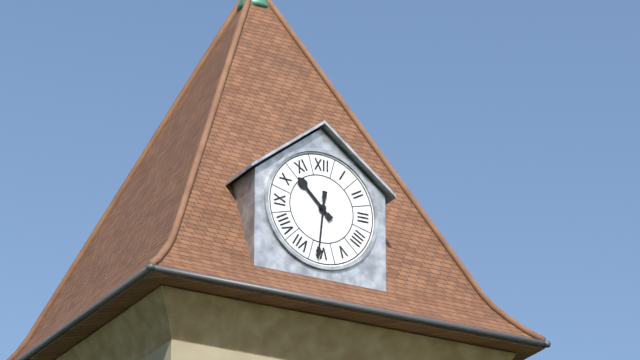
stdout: 10 h 31 min
